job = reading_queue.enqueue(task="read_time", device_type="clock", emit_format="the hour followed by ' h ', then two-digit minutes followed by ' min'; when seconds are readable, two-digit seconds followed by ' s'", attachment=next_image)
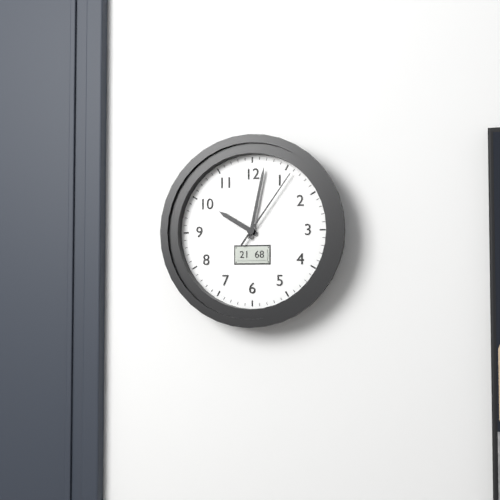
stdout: 10 h 02 min 06 s
